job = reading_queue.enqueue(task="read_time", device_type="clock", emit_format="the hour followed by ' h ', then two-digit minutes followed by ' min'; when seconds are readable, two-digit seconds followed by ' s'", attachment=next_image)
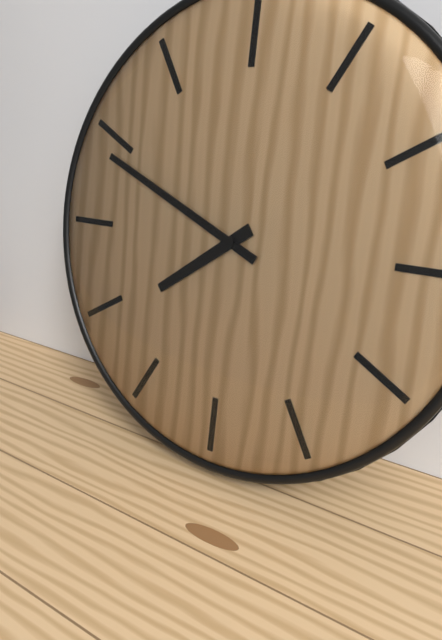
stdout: 7 h 49 min
